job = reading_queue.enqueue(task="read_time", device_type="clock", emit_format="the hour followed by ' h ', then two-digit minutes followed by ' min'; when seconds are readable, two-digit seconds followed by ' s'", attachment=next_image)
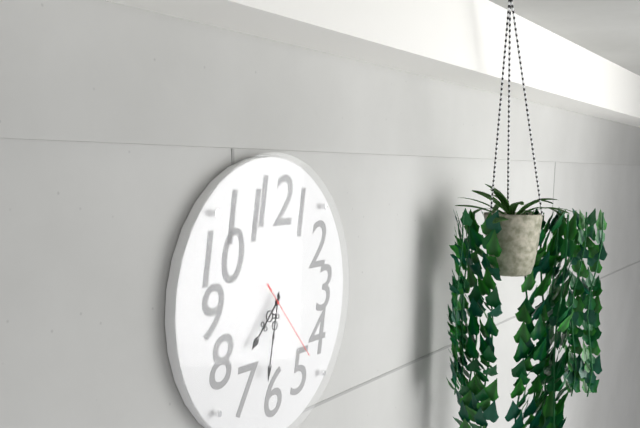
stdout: 7 h 32 min 23 s
